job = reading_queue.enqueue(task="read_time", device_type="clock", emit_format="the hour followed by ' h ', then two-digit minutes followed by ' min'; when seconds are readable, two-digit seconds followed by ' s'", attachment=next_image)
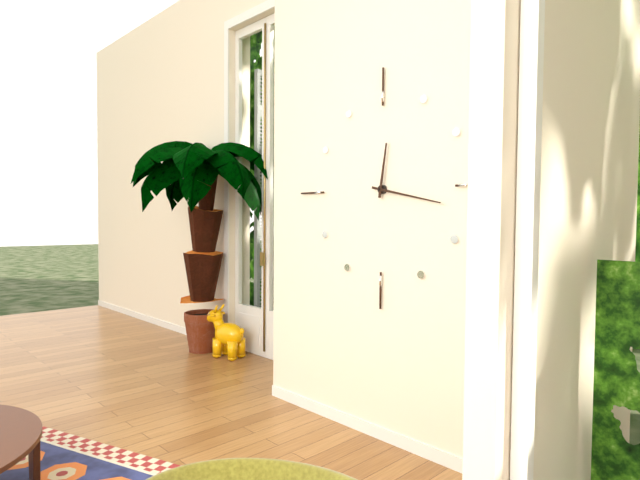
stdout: 12 h 17 min
